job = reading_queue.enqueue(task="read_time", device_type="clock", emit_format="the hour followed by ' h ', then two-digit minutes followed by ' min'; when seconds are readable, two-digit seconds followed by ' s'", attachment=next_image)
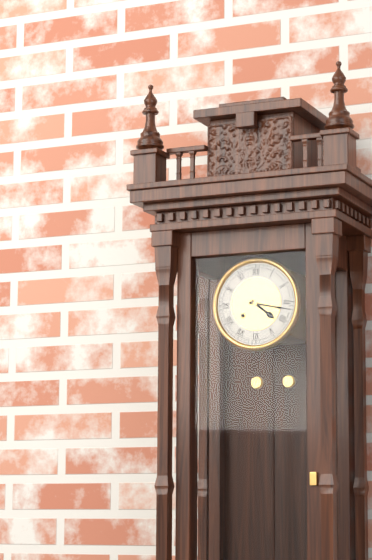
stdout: 4 h 17 min
